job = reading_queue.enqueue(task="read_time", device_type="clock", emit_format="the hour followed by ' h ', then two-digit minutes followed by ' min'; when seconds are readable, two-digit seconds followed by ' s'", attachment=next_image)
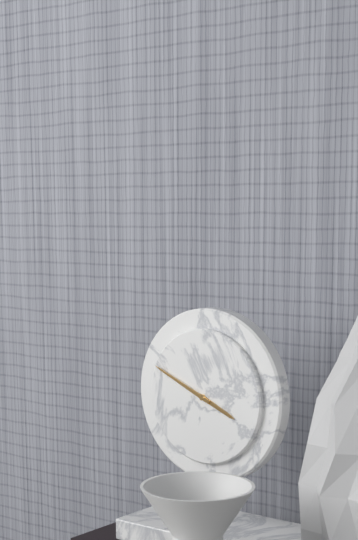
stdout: 3 h 49 min
